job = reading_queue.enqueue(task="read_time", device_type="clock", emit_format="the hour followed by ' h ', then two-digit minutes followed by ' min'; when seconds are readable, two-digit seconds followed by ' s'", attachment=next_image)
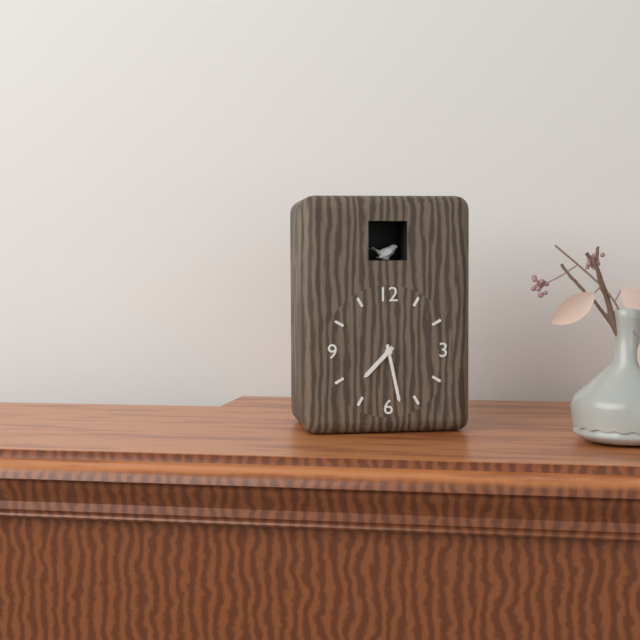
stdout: 7 h 28 min
